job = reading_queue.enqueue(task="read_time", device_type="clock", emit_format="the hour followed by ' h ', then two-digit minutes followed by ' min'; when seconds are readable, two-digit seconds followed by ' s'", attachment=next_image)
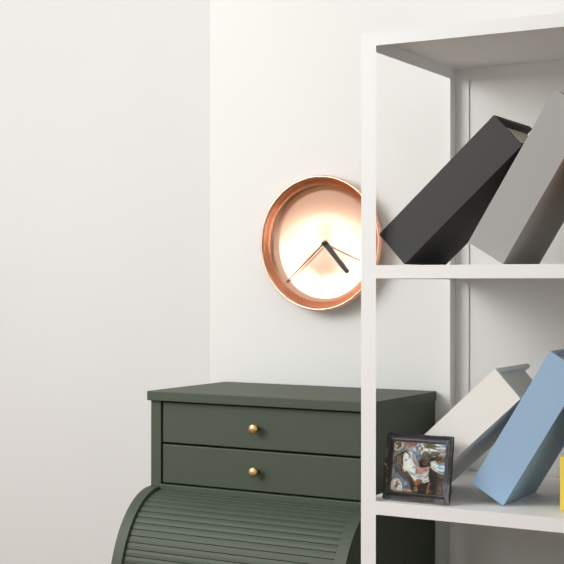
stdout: 4 h 38 min 19 s
